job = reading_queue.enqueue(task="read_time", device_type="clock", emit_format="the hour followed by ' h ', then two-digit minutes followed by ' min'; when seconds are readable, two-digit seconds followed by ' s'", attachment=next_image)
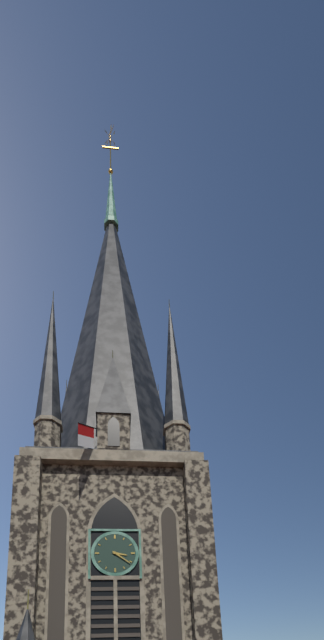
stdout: 3 h 21 min
